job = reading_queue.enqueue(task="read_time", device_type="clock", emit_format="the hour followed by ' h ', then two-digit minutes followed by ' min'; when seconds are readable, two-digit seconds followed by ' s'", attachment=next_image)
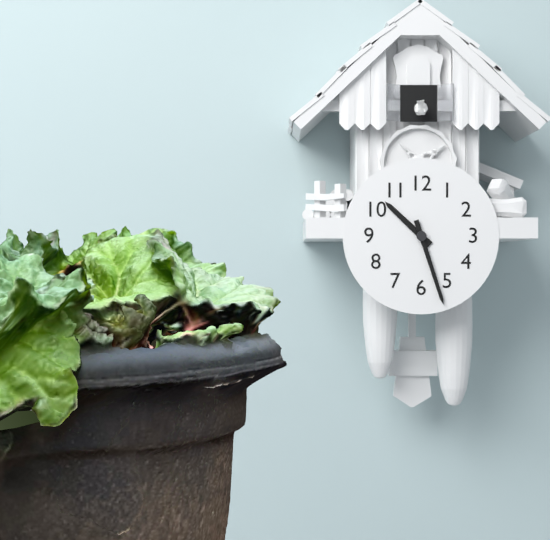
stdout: 10 h 27 min
